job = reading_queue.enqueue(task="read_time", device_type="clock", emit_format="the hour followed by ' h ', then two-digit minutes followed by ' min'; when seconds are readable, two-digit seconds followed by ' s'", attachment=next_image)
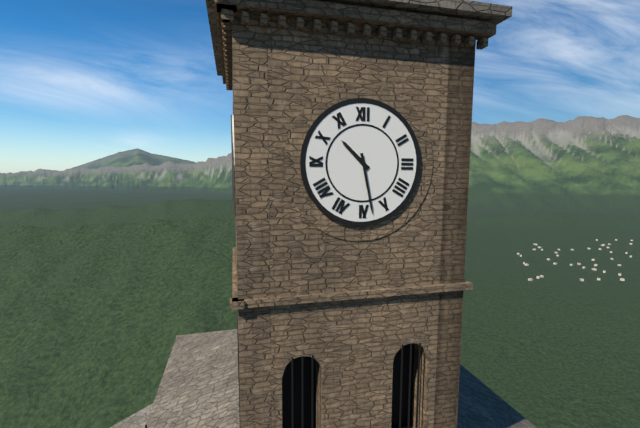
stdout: 10 h 28 min
